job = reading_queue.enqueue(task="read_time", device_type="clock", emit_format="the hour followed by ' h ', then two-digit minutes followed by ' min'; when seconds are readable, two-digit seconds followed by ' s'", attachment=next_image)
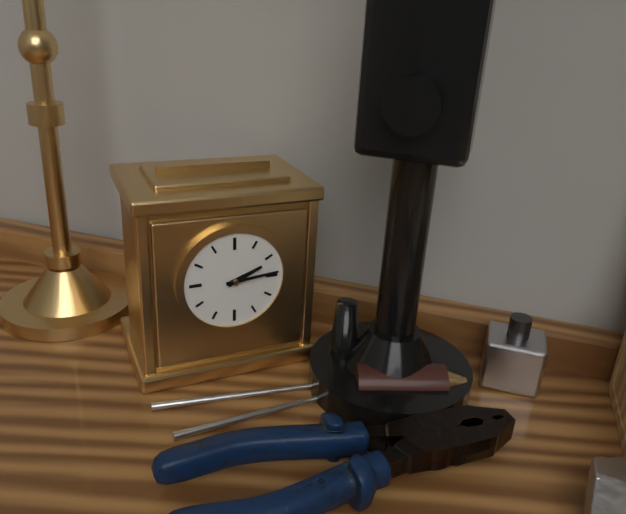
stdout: 2 h 14 min
